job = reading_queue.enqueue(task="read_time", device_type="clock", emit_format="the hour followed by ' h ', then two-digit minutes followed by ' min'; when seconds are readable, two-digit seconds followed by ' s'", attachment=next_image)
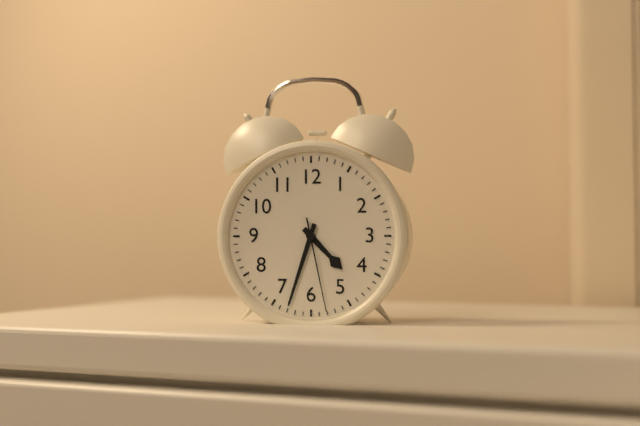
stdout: 4 h 33 min 28 s
